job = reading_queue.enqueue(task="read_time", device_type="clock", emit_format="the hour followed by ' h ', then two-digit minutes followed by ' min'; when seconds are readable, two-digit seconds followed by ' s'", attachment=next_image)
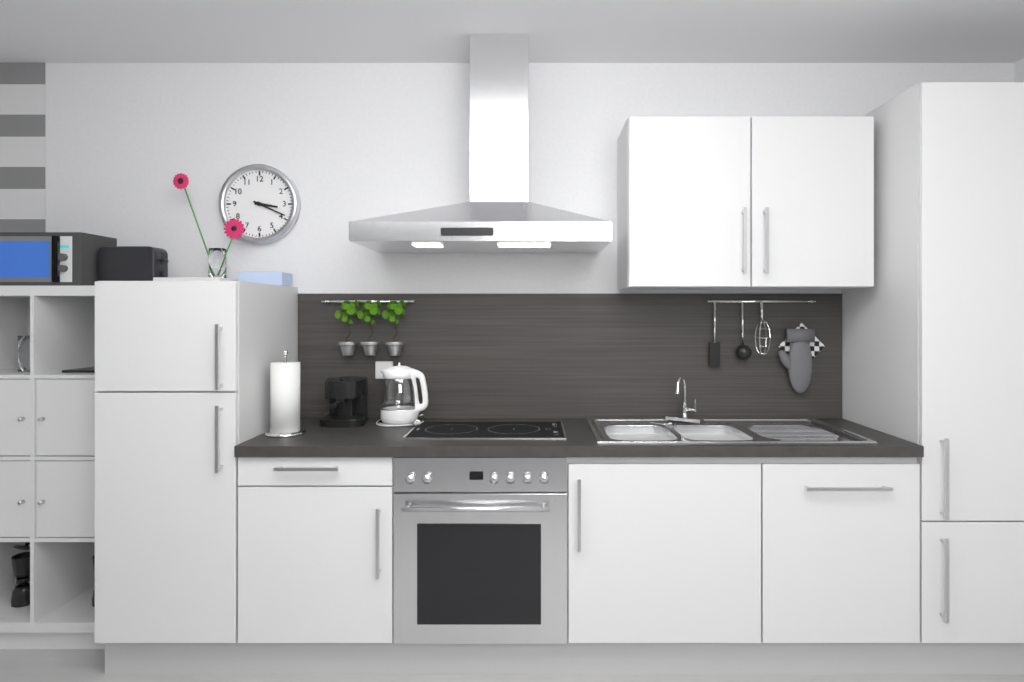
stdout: 3 h 19 min
